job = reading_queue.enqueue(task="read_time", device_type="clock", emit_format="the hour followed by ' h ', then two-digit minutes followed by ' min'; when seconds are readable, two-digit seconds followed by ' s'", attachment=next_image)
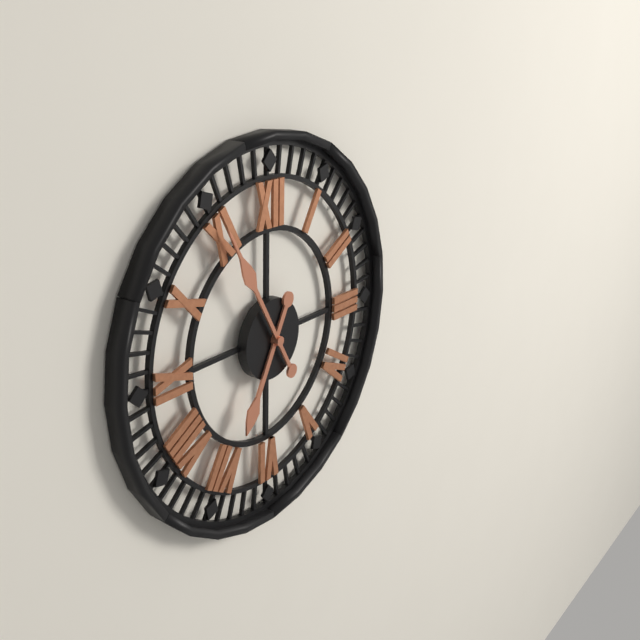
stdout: 6 h 55 min
